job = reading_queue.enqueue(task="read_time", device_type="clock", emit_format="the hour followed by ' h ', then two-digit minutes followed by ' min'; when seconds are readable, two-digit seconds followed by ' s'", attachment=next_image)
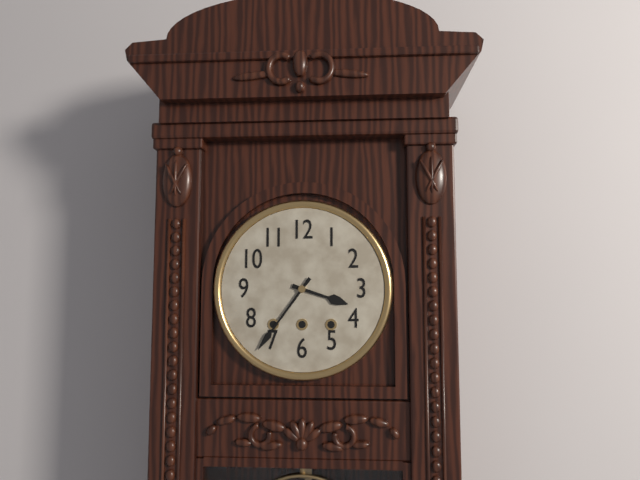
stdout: 3 h 36 min
